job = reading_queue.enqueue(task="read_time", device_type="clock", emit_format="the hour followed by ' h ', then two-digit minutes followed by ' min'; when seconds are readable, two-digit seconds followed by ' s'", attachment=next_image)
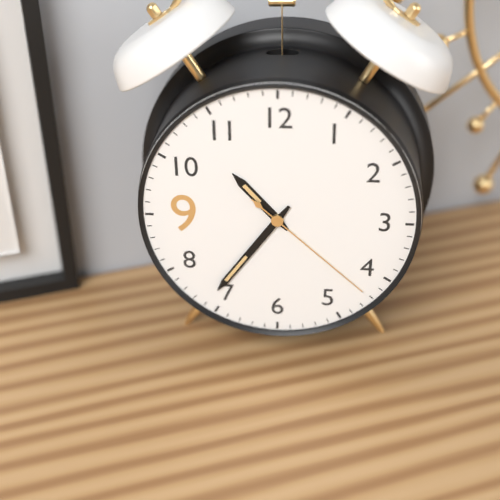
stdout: 10 h 36 min 22 s
